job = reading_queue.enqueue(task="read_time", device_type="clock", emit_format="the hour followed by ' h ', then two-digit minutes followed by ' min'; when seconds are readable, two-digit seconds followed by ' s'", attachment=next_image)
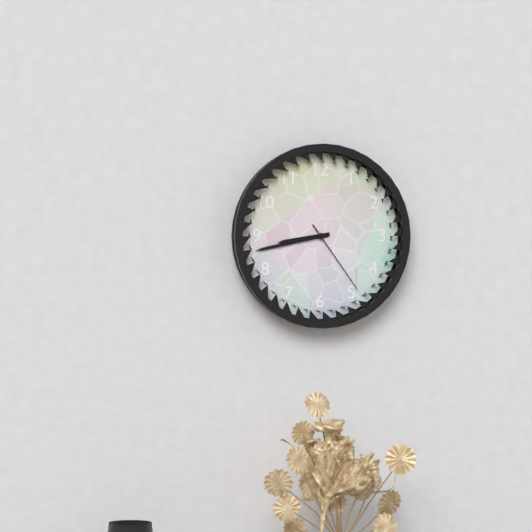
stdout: 8 h 43 min 24 s
